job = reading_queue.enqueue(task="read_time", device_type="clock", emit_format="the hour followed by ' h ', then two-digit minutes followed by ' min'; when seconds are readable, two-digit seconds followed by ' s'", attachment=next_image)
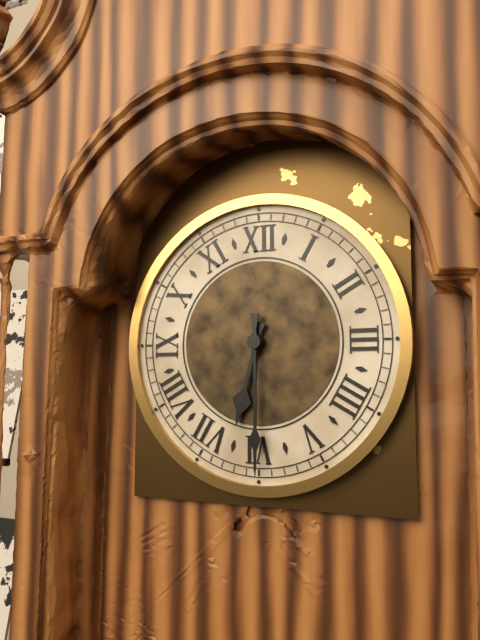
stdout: 6 h 30 min
